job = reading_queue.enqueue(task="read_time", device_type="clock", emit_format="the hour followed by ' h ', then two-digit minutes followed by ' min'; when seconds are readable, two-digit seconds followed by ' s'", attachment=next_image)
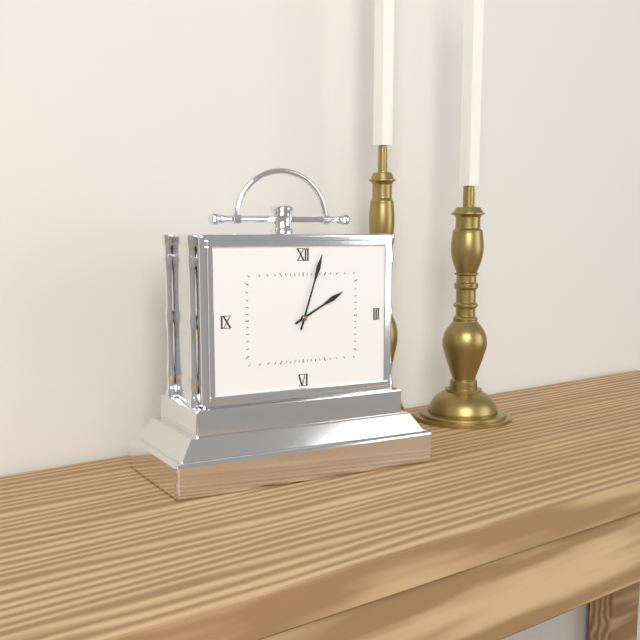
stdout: 2 h 03 min
